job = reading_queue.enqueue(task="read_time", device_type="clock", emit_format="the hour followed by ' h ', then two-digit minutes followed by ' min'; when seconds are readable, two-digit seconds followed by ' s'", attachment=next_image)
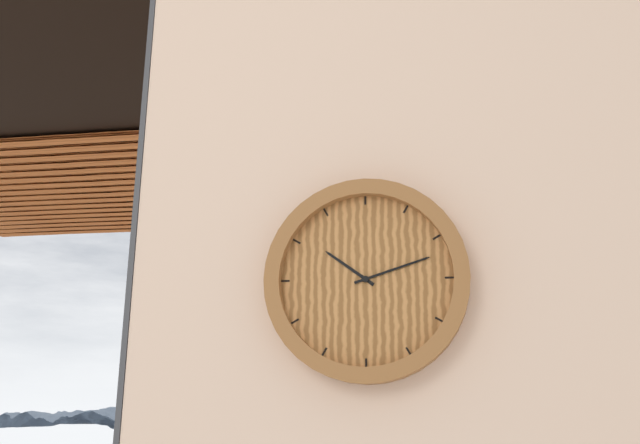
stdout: 10 h 12 min
